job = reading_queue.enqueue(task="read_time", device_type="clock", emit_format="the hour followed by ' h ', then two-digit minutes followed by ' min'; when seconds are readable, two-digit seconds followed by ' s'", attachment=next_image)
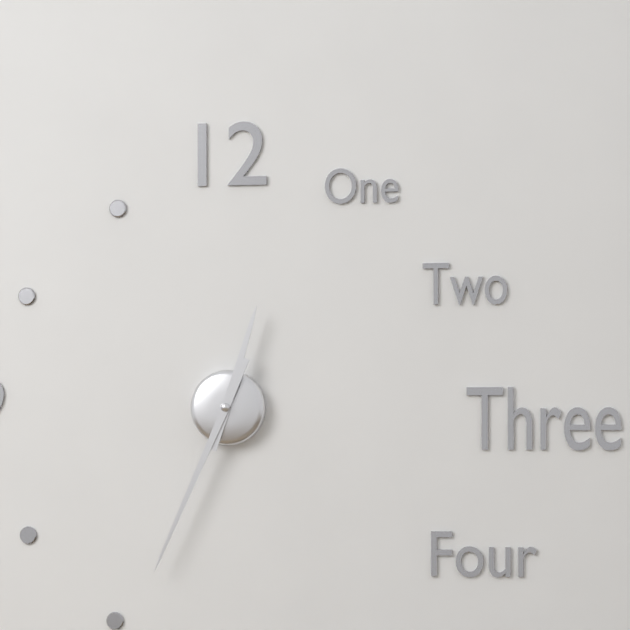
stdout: 12 h 34 min
